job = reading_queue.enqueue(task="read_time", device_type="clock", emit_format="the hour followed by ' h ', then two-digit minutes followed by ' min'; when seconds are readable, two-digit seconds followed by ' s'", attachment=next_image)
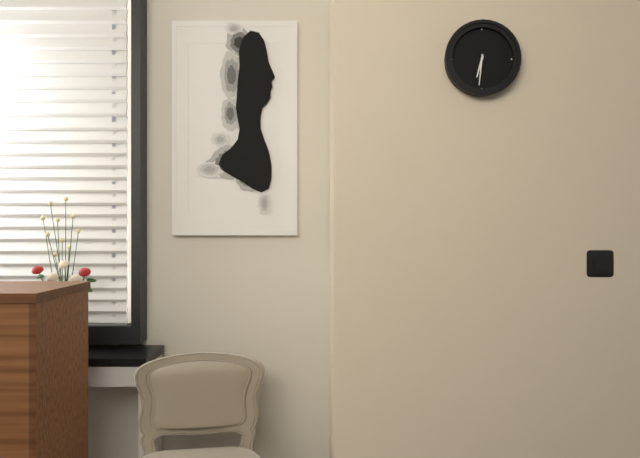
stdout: 6 h 31 min
